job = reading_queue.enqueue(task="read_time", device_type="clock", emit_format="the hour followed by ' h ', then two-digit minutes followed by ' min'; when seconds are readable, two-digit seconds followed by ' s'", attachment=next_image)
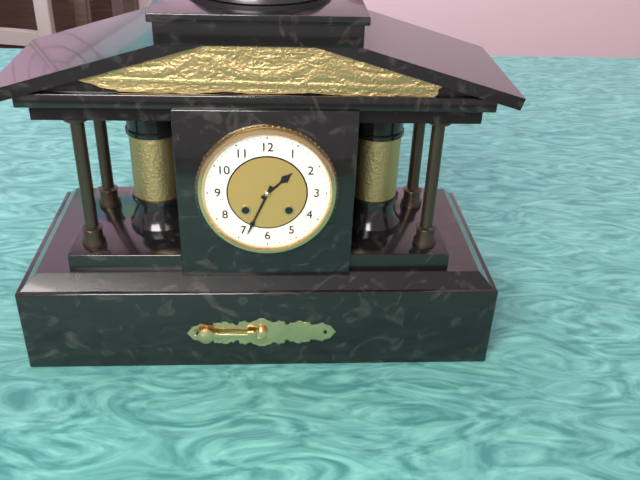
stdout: 1 h 34 min
